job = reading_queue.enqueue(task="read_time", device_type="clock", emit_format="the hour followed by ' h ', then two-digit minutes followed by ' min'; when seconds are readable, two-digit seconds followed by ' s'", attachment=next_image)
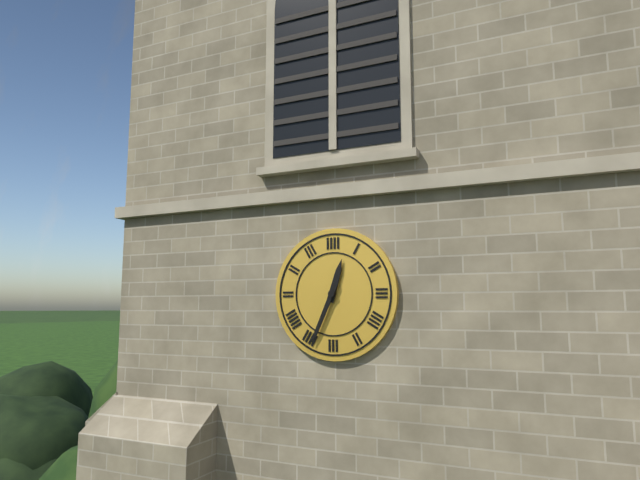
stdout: 12 h 34 min
